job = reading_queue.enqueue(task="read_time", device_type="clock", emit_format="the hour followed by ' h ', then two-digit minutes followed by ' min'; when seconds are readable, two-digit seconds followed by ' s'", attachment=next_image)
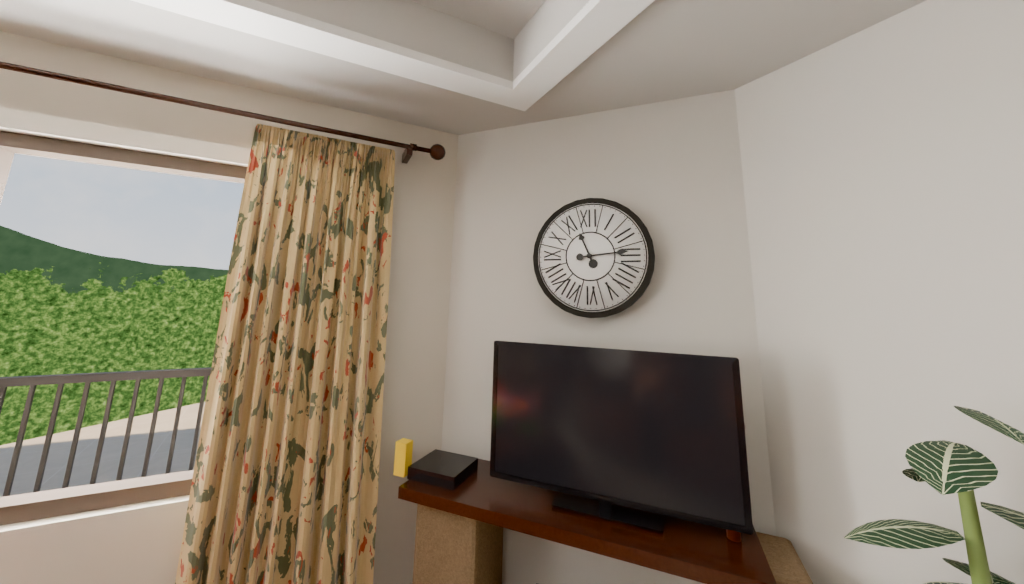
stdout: 11 h 14 min
